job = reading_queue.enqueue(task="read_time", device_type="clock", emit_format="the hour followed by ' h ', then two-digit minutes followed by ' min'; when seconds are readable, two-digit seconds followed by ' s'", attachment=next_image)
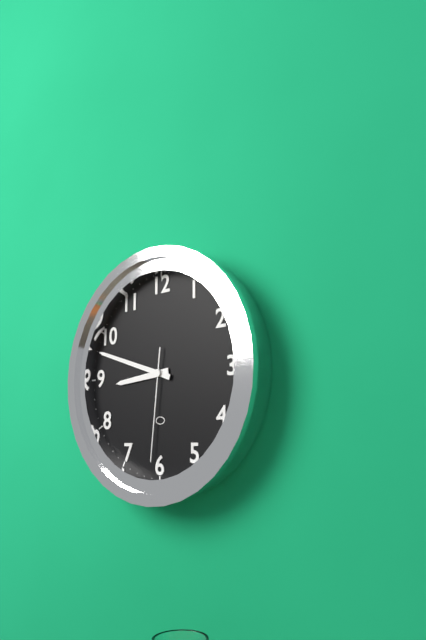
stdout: 8 h 48 min 31 s
